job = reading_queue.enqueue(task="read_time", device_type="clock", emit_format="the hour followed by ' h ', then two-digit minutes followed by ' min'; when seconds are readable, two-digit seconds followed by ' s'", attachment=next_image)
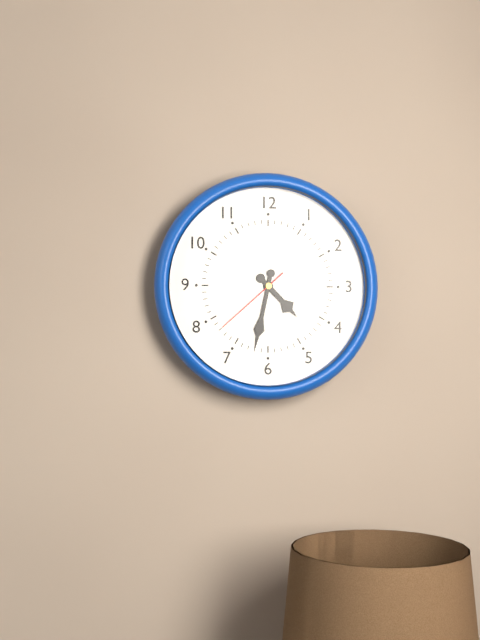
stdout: 4 h 32 min 38 s
